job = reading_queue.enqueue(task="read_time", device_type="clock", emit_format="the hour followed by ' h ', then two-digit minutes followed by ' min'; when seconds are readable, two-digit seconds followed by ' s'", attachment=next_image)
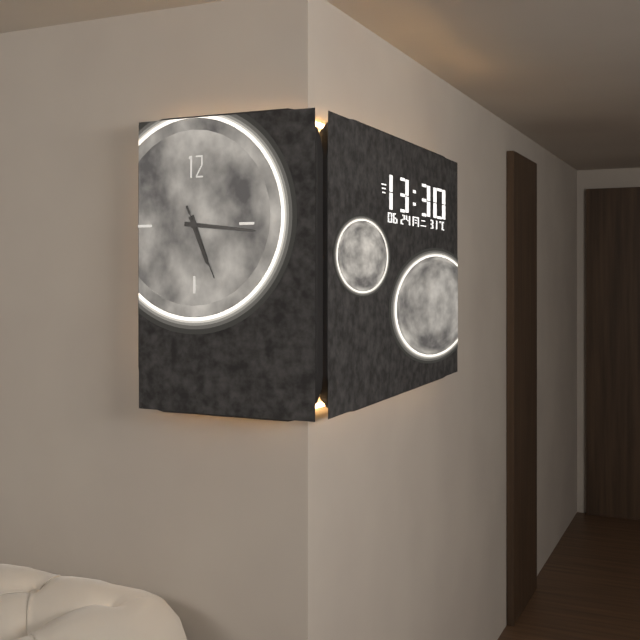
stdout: 5 h 16 min 26 s
